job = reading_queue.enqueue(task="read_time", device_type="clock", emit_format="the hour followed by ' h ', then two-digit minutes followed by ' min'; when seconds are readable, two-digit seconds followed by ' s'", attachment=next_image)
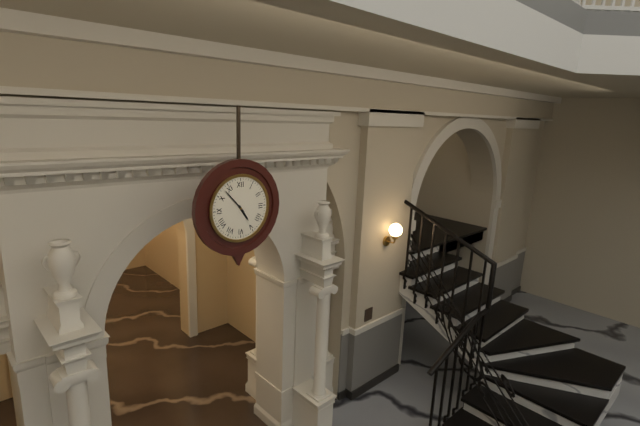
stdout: 4 h 53 min
